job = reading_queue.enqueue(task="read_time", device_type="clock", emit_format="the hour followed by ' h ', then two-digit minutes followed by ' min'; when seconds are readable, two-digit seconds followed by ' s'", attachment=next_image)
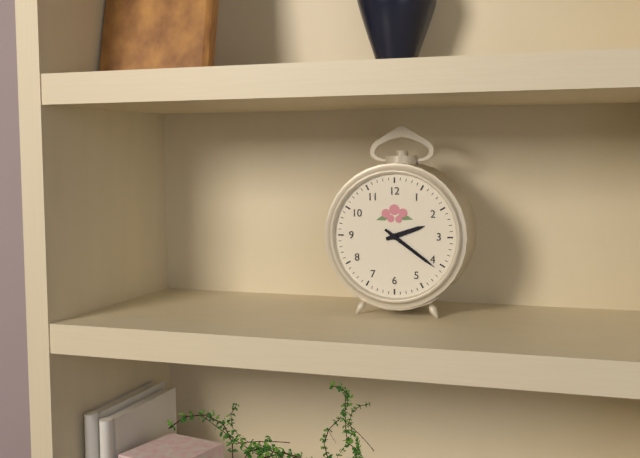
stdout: 2 h 21 min
